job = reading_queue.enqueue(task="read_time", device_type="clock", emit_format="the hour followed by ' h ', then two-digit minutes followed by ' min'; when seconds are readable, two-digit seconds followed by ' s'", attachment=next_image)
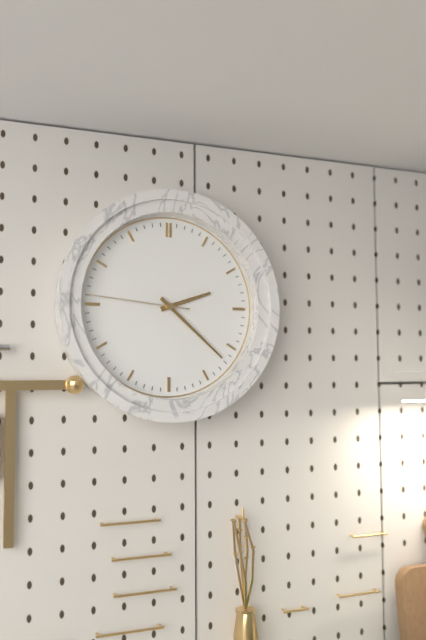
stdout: 2 h 22 min 46 s
